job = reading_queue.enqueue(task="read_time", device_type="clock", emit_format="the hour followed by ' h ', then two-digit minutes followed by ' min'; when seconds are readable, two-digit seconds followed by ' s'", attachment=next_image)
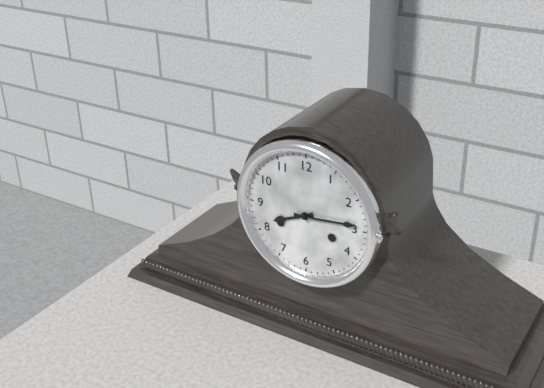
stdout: 8 h 14 min
